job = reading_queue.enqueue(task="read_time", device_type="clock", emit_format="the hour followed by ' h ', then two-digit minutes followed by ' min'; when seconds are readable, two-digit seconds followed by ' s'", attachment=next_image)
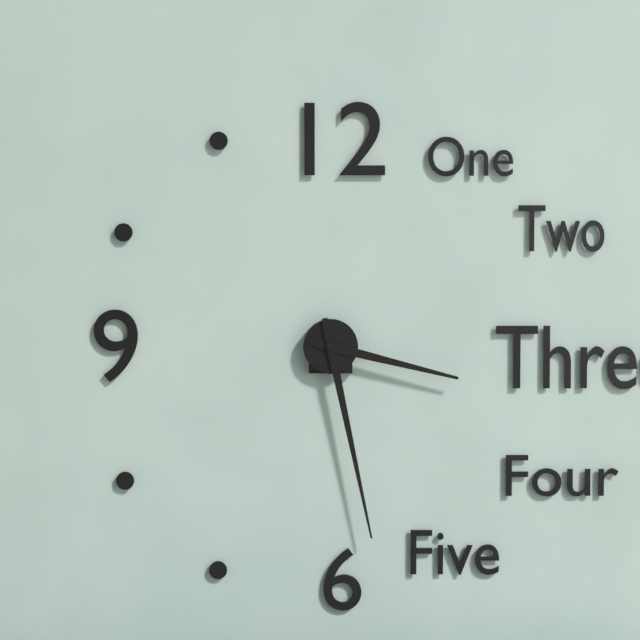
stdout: 3 h 28 min
